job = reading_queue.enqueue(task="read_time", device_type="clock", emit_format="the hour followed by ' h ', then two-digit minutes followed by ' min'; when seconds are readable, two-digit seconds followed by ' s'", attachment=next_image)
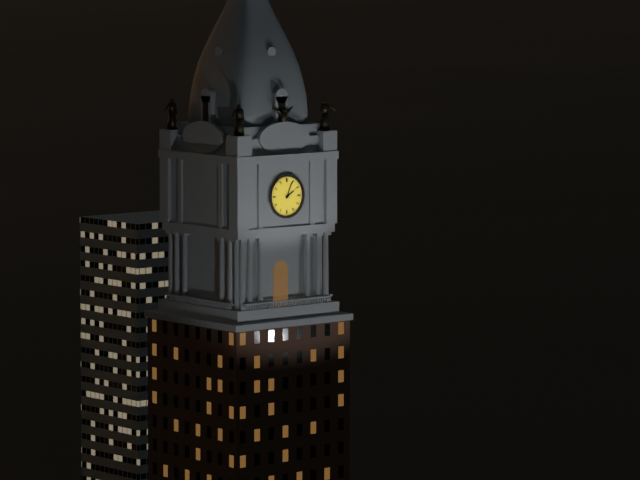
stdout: 2 h 04 min
